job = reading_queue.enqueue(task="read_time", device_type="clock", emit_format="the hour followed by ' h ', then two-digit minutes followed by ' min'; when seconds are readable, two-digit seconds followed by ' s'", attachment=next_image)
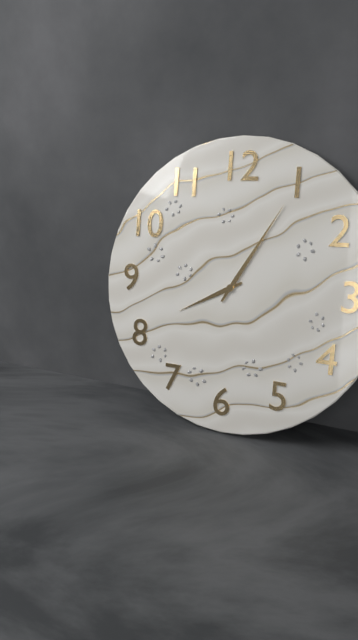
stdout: 8 h 05 min
